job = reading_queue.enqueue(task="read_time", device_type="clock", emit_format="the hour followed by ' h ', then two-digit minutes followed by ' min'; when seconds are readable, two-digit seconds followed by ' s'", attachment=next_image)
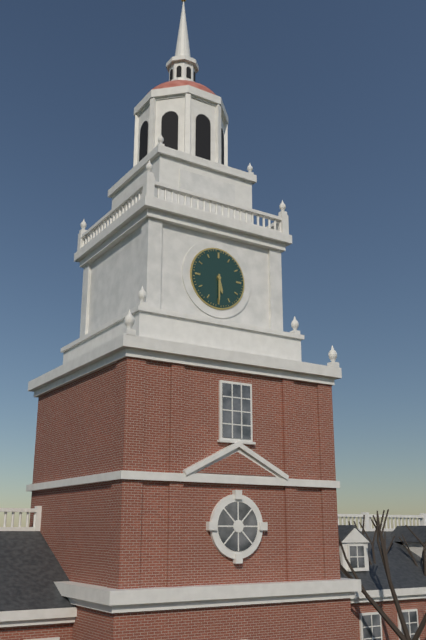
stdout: 5 h 30 min
